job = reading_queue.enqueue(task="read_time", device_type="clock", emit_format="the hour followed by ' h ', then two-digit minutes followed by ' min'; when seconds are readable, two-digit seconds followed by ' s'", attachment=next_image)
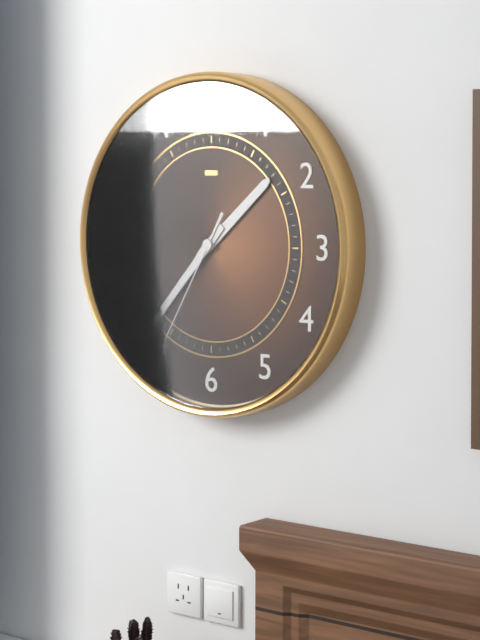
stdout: 1 h 37 min 35 s
